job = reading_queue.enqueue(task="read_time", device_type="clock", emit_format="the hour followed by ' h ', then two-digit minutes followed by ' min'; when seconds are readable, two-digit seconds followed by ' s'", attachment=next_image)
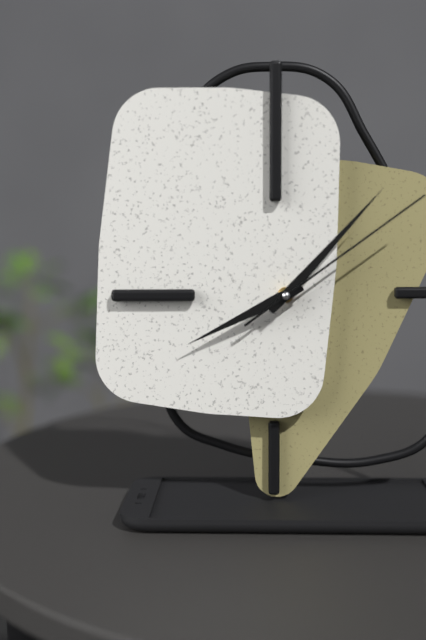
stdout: 8 h 07 min 09 s
